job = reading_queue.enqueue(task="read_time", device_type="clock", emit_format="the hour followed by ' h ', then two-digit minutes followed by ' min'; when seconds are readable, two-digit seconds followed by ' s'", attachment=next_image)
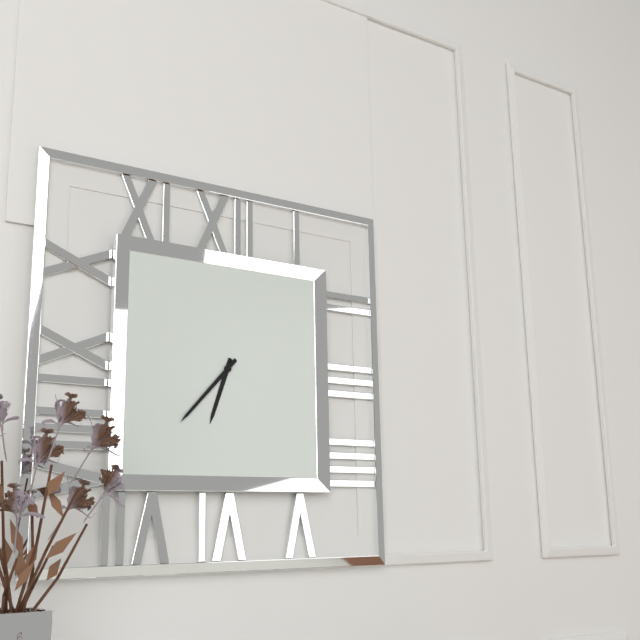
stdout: 6 h 37 min
